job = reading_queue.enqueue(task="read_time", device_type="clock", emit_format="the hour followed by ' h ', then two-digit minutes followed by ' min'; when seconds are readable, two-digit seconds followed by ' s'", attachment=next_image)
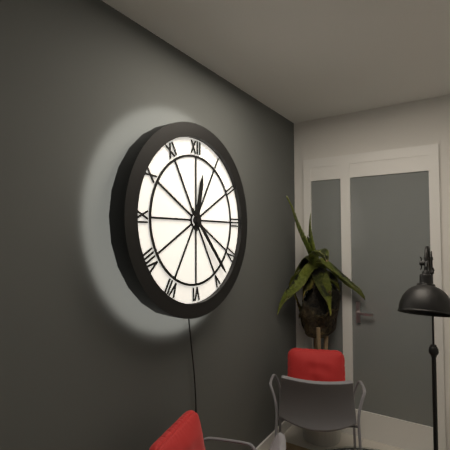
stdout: 12 h 23 min
